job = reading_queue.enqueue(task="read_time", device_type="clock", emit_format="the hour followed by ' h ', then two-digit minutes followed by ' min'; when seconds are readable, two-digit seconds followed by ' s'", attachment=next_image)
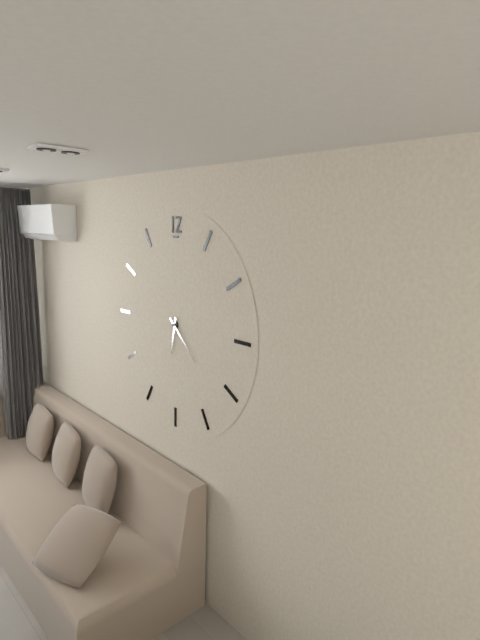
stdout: 6 h 22 min
